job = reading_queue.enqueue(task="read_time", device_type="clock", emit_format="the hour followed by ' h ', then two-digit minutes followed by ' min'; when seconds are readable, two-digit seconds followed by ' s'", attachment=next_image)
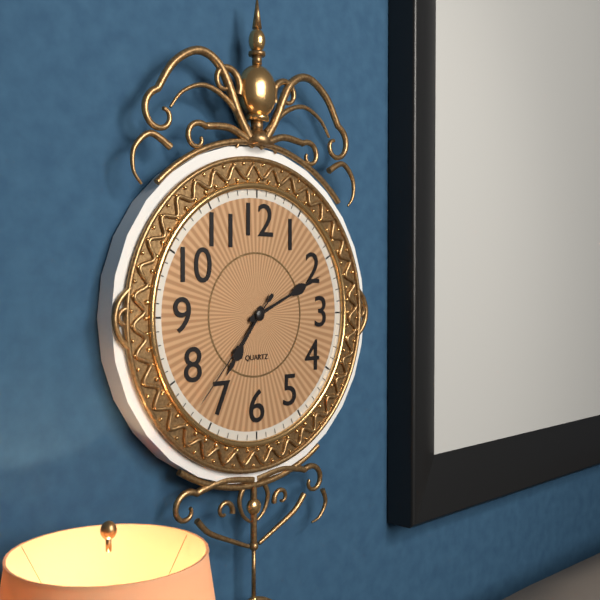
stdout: 7 h 11 min 37 s
